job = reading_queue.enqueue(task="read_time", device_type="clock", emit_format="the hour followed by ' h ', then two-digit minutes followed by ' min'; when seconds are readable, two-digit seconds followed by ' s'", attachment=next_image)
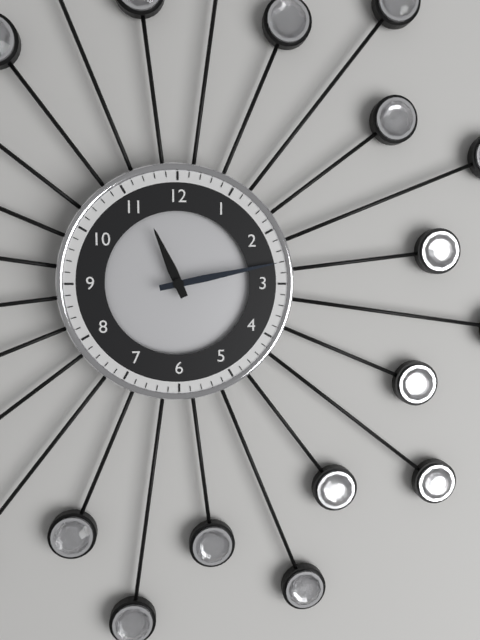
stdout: 11 h 13 min
